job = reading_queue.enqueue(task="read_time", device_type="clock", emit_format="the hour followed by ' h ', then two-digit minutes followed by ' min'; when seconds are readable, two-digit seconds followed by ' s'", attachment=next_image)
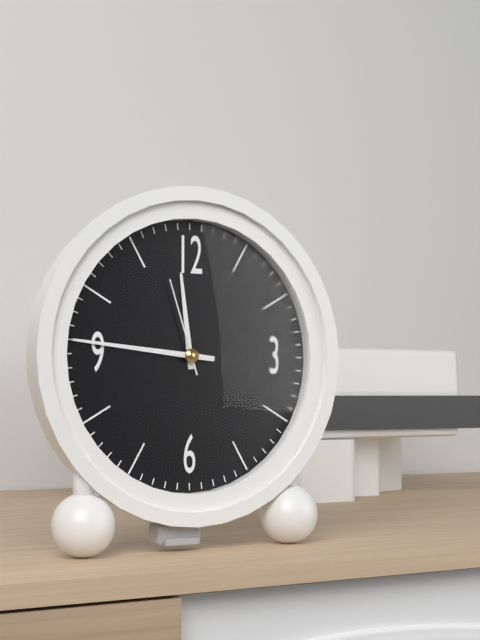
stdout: 11 h 46 min 57 s
